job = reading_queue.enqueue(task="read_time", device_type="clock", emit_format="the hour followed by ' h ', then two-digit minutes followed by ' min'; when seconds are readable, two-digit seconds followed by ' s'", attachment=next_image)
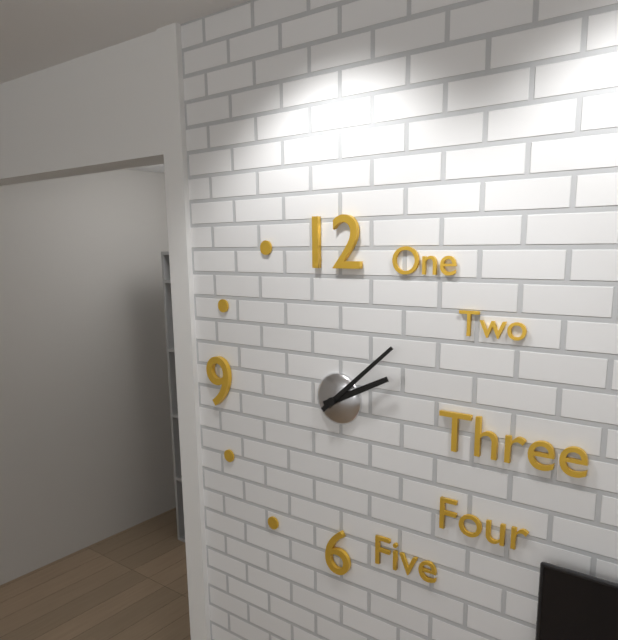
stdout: 2 h 08 min
